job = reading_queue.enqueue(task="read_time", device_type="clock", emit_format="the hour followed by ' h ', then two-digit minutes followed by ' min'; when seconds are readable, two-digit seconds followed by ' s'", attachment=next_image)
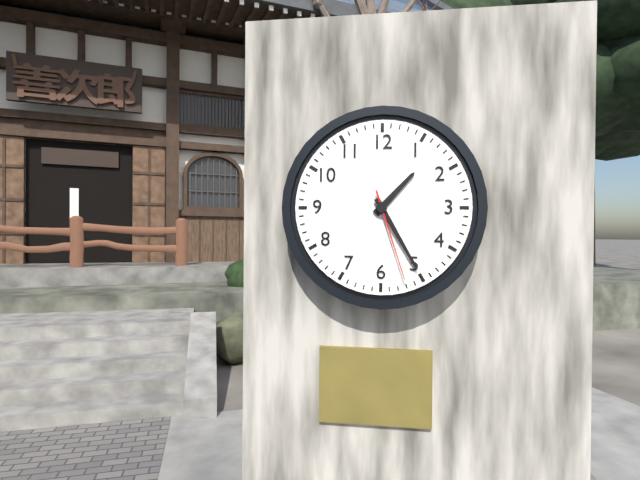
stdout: 1 h 25 min 27 s
